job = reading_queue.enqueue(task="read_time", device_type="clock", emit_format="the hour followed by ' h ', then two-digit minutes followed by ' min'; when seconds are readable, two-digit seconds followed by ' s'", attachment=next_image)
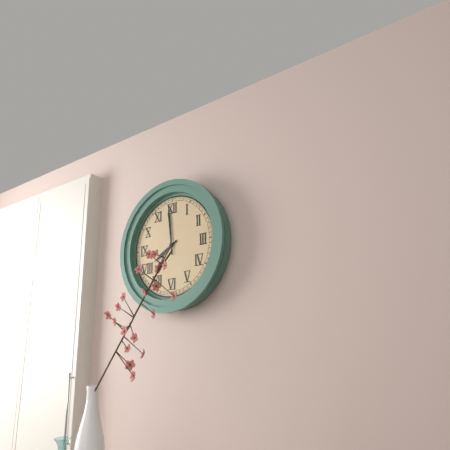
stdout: 7 h 59 min
